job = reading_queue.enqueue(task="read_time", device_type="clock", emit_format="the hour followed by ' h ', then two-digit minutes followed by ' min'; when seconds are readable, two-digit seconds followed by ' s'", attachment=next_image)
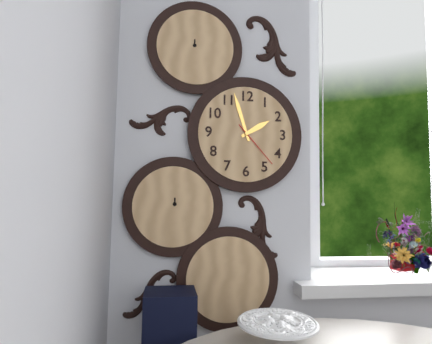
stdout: 1 h 57 min
